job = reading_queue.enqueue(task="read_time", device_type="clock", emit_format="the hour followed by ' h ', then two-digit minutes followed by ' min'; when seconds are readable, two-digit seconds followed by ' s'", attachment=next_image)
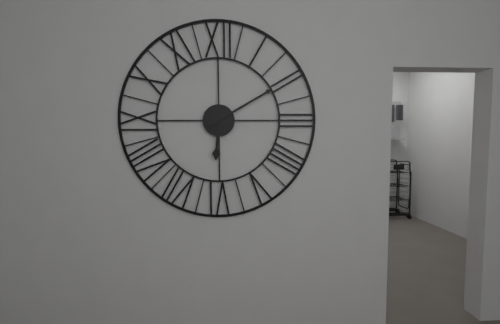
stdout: 6 h 10 min
